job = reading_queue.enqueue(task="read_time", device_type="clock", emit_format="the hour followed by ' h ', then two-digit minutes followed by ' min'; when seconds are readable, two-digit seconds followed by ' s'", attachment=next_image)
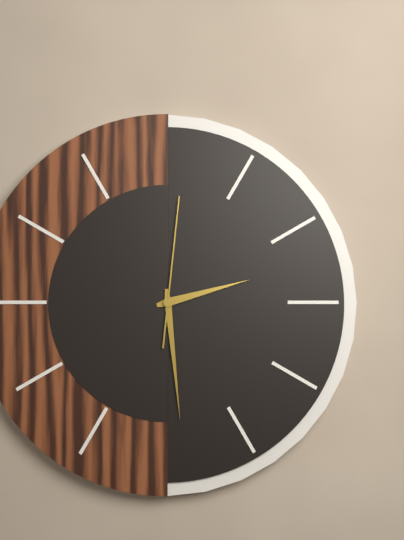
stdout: 2 h 29 min 01 s
